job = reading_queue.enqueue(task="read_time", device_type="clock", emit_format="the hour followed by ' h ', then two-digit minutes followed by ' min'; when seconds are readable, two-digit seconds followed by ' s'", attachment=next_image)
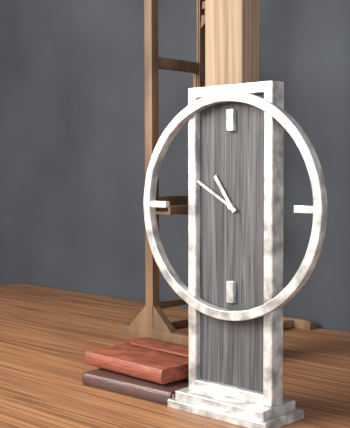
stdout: 10 h 50 min
